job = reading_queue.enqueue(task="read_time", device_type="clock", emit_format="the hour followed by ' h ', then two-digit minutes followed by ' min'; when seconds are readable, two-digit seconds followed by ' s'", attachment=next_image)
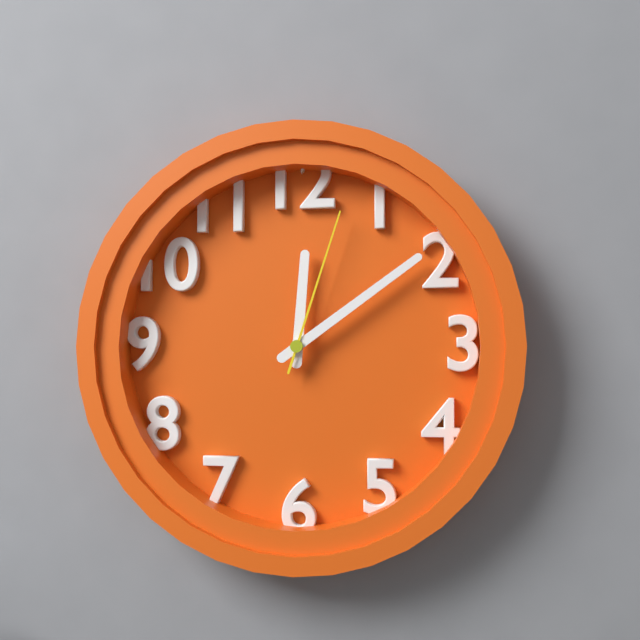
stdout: 12 h 09 min 03 s
